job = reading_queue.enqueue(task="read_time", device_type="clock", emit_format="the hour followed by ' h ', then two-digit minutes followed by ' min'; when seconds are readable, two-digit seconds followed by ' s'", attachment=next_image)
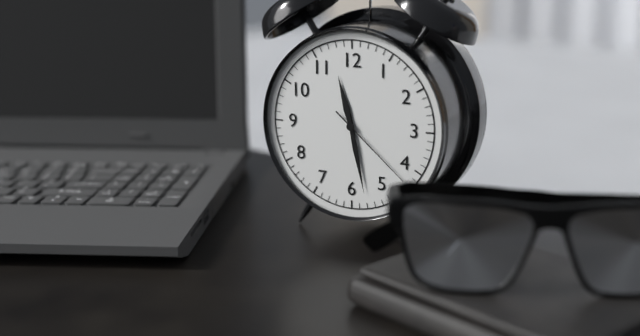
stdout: 11 h 28 min 22 s
